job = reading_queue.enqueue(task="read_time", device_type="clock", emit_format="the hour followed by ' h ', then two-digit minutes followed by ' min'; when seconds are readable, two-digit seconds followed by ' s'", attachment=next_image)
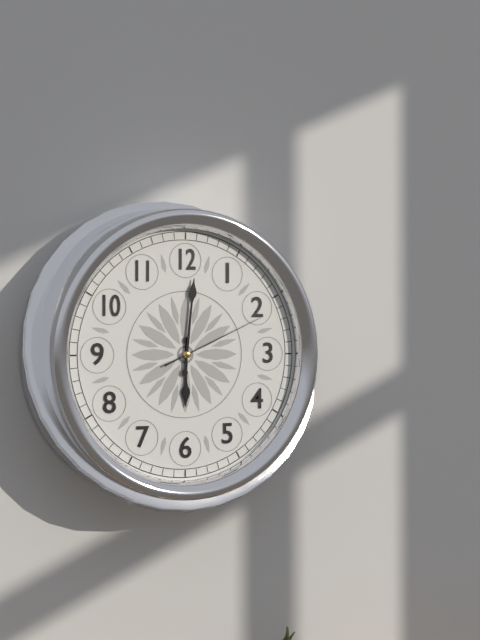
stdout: 6 h 01 min 11 s
